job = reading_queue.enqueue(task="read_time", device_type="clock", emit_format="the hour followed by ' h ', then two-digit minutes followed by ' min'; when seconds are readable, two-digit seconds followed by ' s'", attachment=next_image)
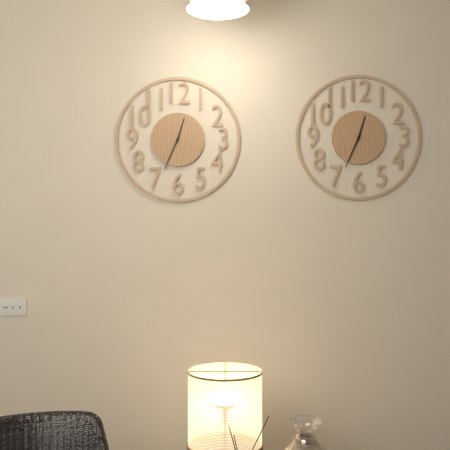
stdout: 12 h 34 min
